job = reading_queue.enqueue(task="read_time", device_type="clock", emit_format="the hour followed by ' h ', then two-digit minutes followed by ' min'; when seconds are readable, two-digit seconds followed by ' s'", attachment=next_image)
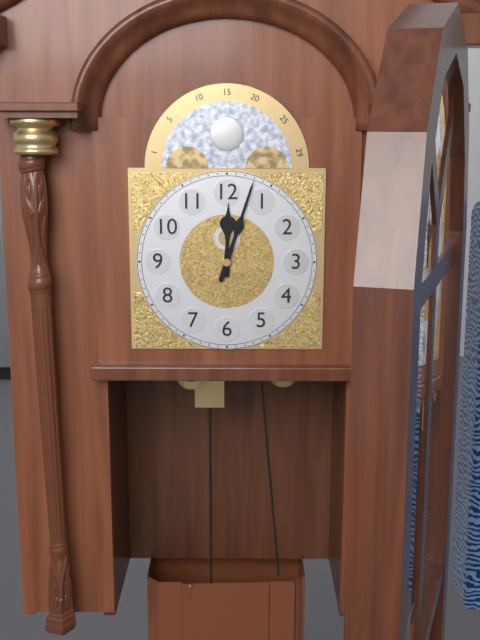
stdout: 12 h 03 min
